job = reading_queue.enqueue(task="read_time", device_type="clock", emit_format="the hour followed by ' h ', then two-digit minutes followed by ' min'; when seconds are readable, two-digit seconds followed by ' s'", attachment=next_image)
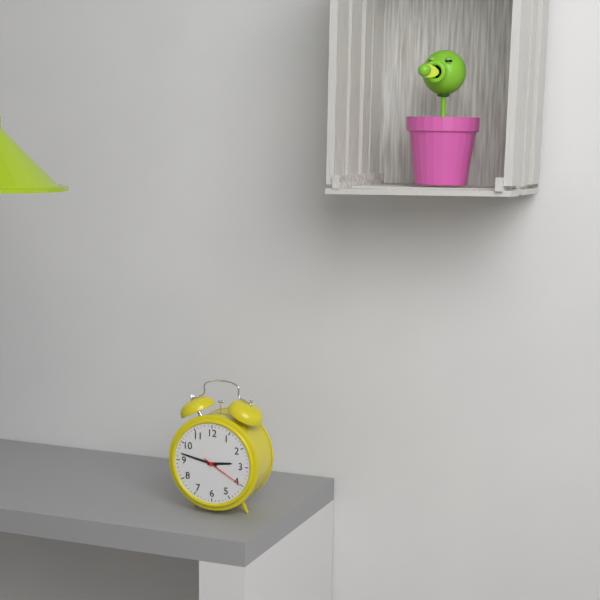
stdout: 2 h 47 min
